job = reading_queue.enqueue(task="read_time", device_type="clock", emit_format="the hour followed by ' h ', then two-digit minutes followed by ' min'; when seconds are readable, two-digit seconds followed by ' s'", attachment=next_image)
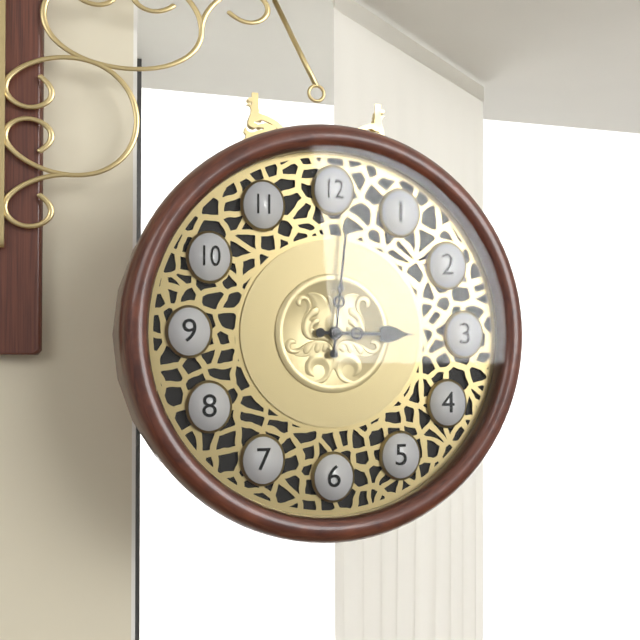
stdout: 3 h 01 min
